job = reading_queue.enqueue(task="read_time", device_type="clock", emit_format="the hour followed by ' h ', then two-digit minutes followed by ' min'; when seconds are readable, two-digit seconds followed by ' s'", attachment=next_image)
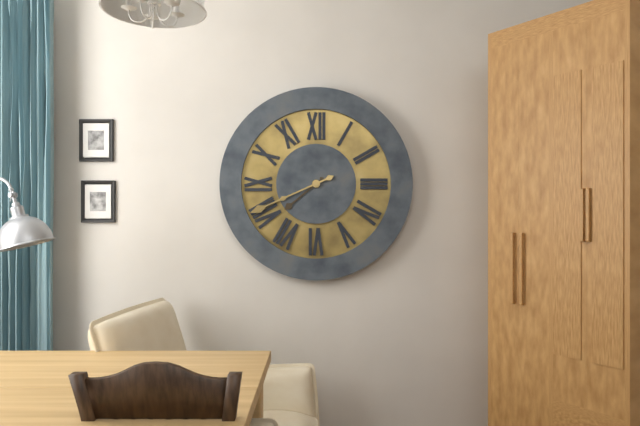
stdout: 7 h 41 min
